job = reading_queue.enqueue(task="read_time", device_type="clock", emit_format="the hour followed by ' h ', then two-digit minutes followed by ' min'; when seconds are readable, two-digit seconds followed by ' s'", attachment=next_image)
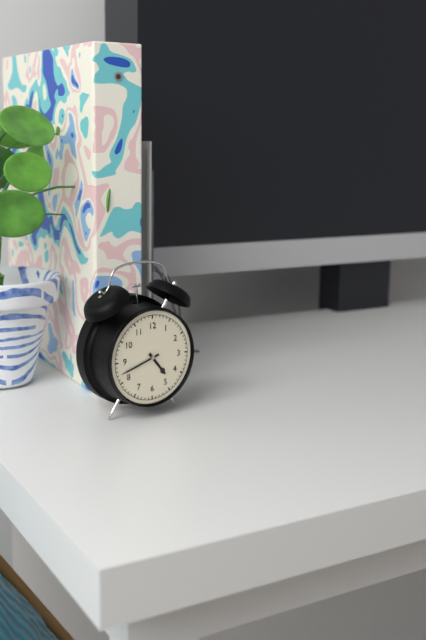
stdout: 4 h 42 min
